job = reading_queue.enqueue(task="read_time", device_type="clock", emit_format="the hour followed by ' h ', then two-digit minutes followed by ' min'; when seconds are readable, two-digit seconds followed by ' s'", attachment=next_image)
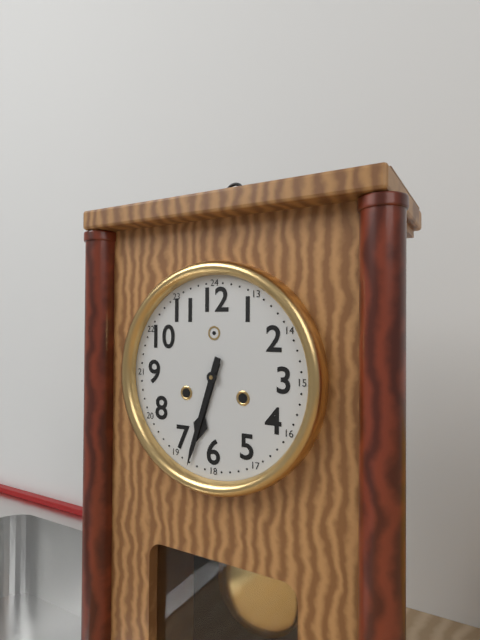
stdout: 6 h 33 min
